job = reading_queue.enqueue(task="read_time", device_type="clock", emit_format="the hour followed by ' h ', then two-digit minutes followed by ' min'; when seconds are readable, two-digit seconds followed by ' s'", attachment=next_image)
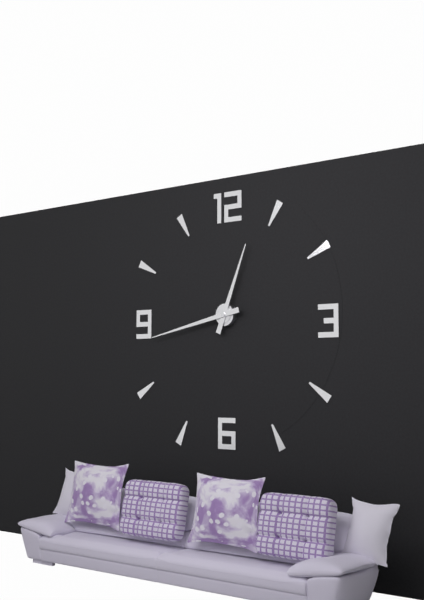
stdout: 12 h 43 min
